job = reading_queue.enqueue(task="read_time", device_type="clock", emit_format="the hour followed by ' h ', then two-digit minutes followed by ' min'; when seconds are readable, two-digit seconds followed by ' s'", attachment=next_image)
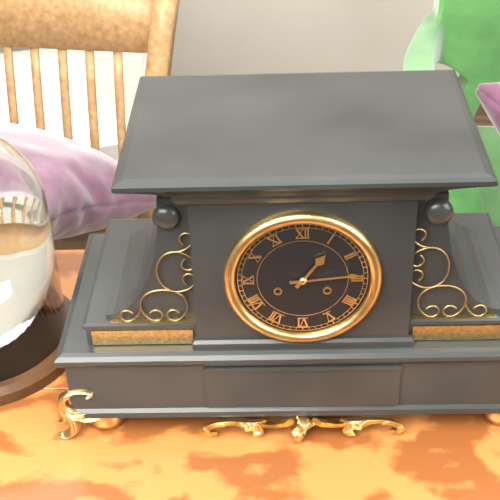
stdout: 1 h 14 min
